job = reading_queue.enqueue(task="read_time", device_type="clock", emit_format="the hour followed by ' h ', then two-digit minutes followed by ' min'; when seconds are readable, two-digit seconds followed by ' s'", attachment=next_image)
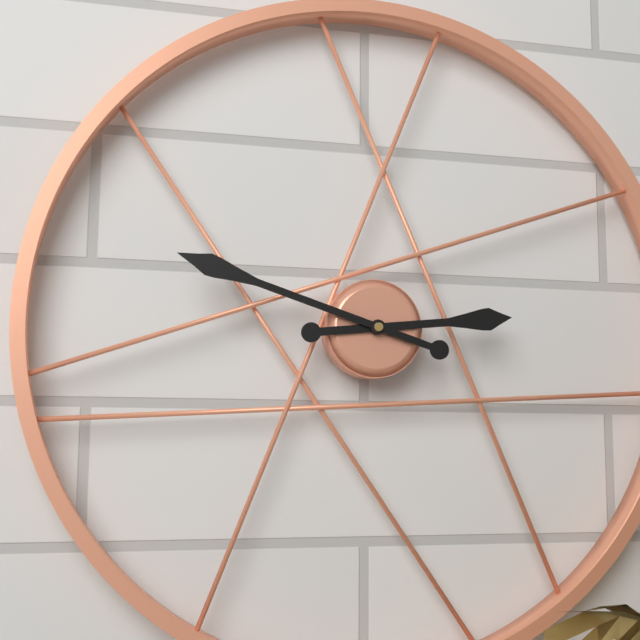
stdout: 2 h 48 min
